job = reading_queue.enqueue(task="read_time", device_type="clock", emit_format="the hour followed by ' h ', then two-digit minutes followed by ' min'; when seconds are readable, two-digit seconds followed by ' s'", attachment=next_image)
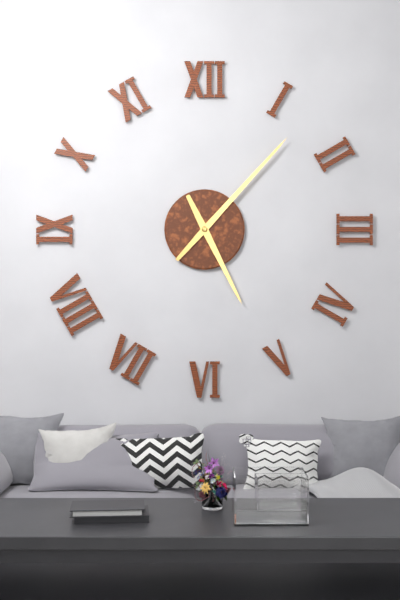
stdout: 5 h 07 min
